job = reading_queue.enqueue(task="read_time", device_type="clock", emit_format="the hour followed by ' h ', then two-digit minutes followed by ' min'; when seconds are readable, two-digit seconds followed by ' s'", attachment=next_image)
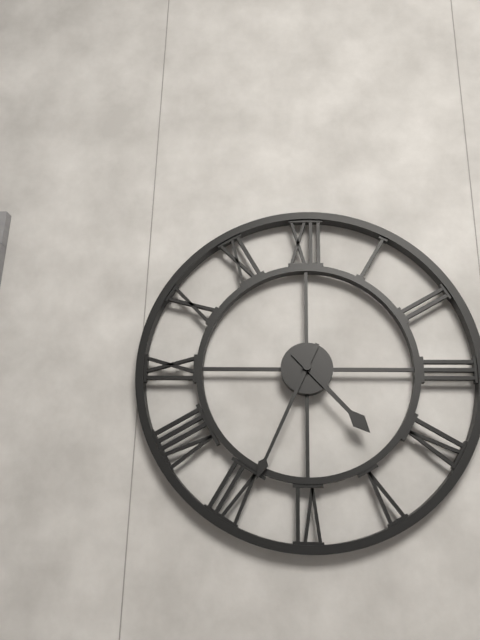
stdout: 4 h 34 min
